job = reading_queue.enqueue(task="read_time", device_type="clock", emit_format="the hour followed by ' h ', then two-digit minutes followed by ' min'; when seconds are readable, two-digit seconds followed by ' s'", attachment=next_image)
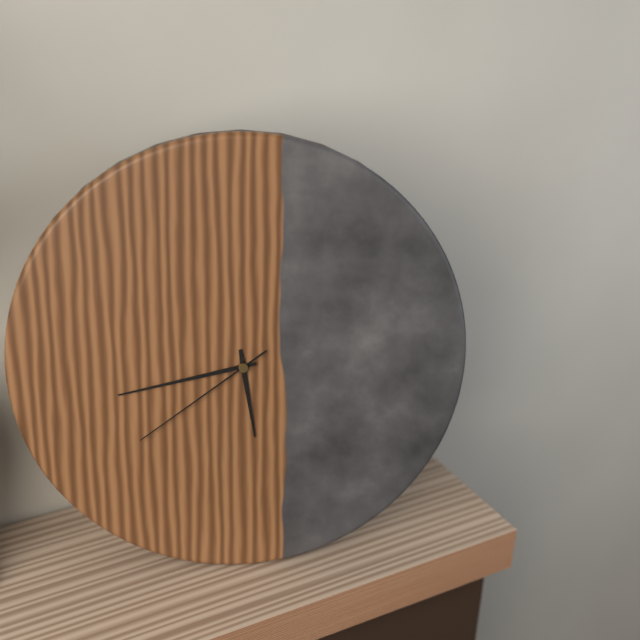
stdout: 5 h 43 min 39 s
